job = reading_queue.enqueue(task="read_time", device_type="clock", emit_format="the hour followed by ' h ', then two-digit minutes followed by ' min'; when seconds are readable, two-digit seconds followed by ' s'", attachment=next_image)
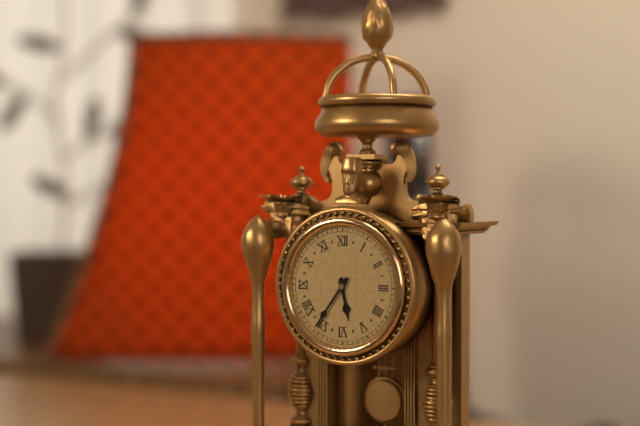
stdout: 5 h 36 min
